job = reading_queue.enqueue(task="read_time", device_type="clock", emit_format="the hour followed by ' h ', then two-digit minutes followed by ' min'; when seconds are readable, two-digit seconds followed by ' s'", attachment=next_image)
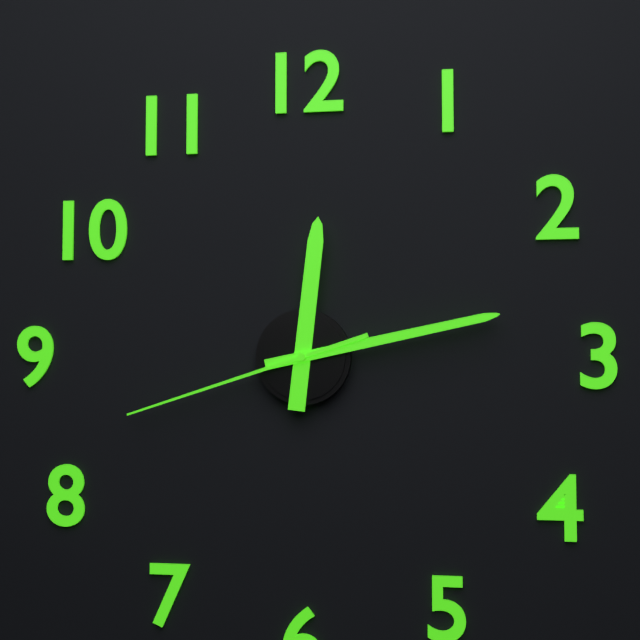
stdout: 12 h 13 min 42 s
